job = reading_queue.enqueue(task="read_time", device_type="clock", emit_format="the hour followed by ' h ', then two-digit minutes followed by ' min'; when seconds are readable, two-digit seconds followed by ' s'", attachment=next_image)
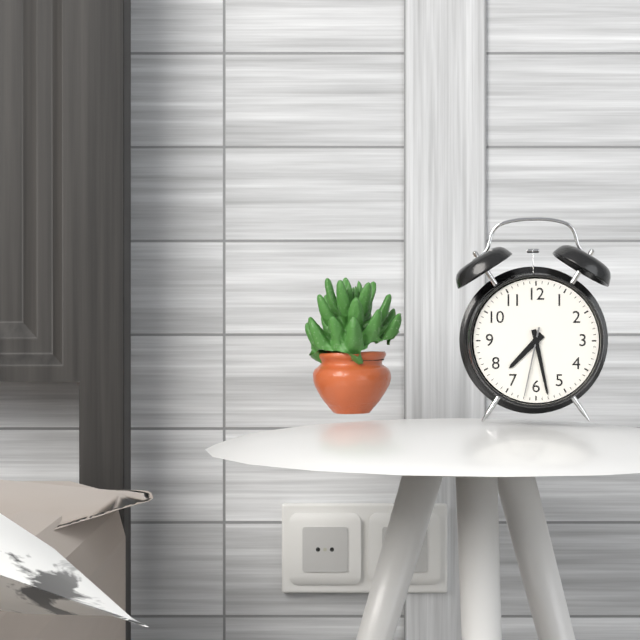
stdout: 7 h 28 min 32 s
